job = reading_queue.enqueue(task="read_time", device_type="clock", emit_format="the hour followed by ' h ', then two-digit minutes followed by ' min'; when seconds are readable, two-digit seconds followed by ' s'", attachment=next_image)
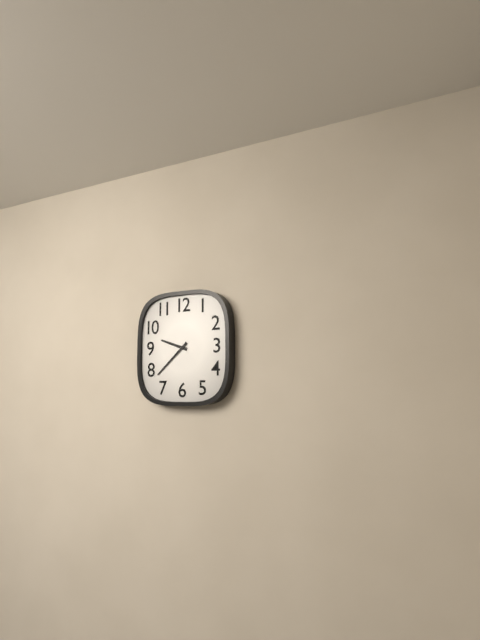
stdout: 9 h 38 min
